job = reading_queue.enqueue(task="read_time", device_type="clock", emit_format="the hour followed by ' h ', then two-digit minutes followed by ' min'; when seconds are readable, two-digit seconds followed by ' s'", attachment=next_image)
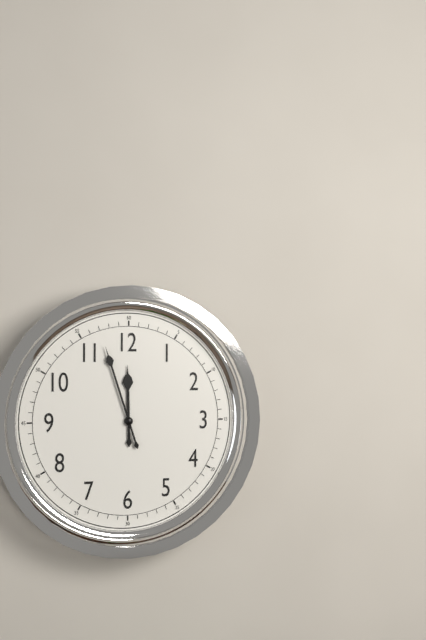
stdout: 11 h 57 min
